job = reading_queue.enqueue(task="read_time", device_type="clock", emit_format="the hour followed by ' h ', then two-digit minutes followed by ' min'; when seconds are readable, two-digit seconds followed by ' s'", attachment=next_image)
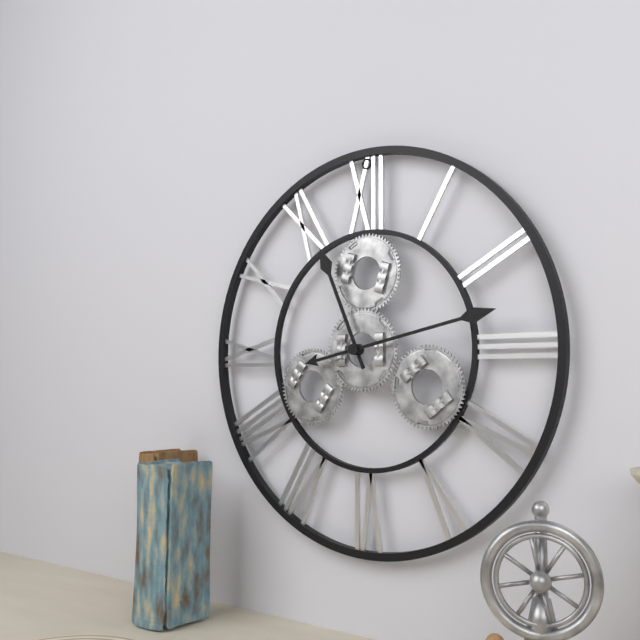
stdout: 11 h 13 min
